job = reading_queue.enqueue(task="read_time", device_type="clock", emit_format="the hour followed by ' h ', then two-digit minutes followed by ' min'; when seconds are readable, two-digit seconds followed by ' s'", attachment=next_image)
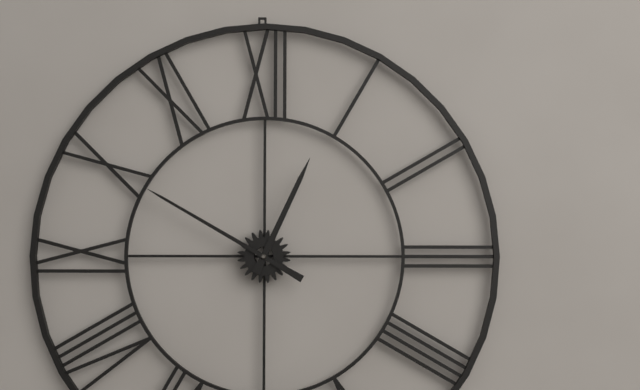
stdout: 12 h 50 min
